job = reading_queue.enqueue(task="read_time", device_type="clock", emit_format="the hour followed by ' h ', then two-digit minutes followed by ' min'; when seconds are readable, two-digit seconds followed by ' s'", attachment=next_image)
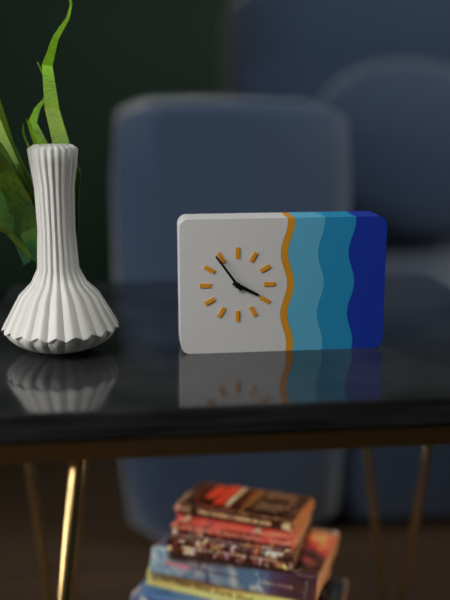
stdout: 3 h 54 min
